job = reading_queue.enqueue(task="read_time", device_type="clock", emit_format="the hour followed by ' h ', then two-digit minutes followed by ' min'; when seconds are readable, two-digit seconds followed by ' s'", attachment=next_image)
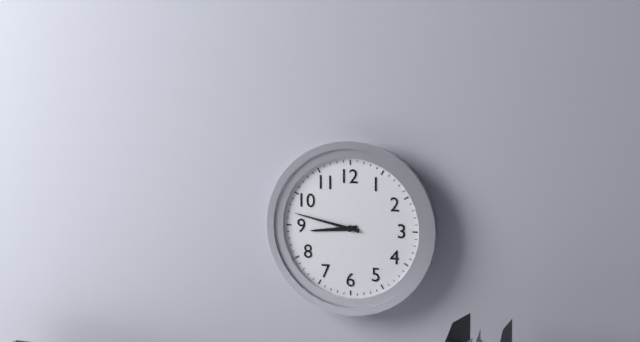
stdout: 8 h 47 min
